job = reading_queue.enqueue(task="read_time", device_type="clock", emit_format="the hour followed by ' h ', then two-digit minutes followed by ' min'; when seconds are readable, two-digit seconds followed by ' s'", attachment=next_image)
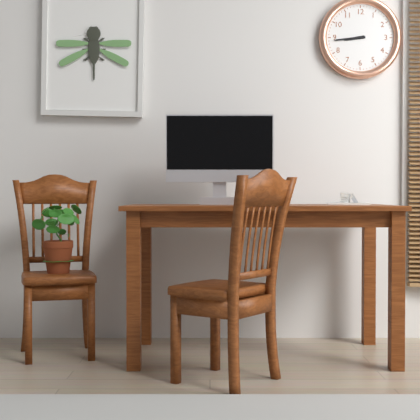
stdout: 8 h 44 min
